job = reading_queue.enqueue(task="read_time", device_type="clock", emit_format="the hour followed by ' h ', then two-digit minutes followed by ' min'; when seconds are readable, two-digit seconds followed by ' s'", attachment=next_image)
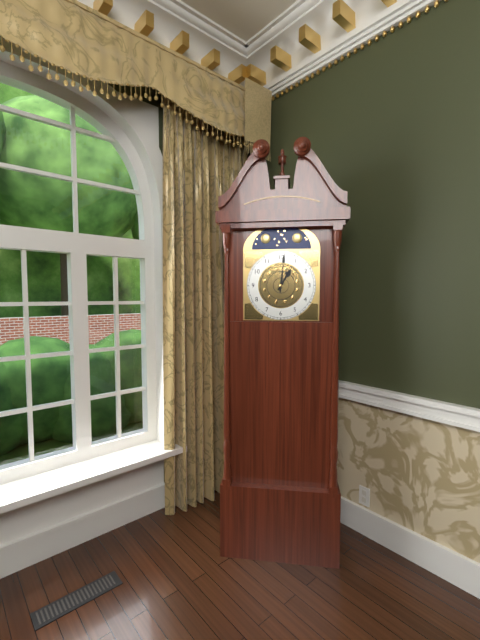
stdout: 1 h 01 min
